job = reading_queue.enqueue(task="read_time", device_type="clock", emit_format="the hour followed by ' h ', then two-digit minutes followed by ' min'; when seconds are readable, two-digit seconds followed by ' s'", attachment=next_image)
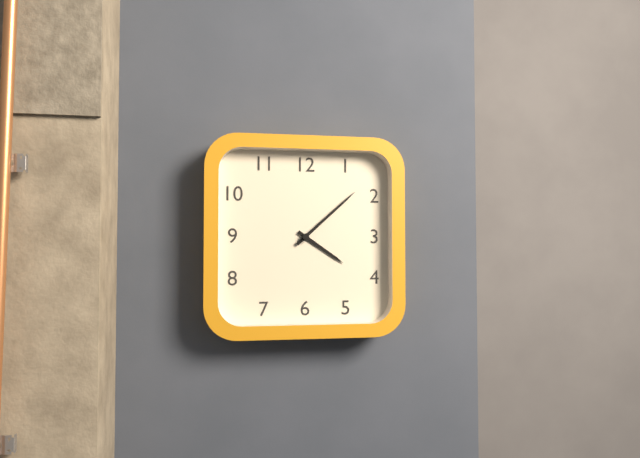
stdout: 4 h 08 min
